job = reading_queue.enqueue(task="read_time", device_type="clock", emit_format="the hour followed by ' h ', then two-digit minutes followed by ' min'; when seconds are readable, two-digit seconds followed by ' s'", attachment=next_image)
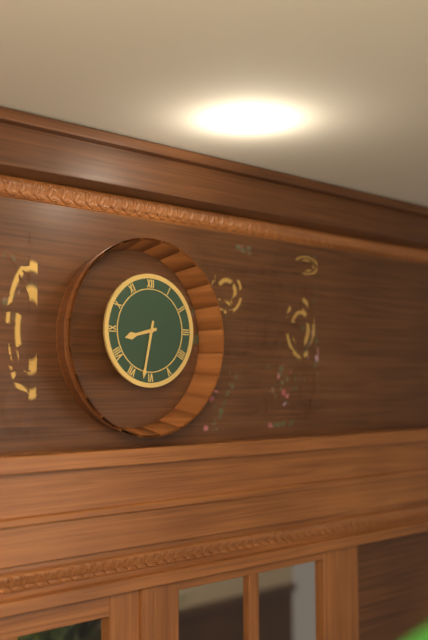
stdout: 8 h 32 min
